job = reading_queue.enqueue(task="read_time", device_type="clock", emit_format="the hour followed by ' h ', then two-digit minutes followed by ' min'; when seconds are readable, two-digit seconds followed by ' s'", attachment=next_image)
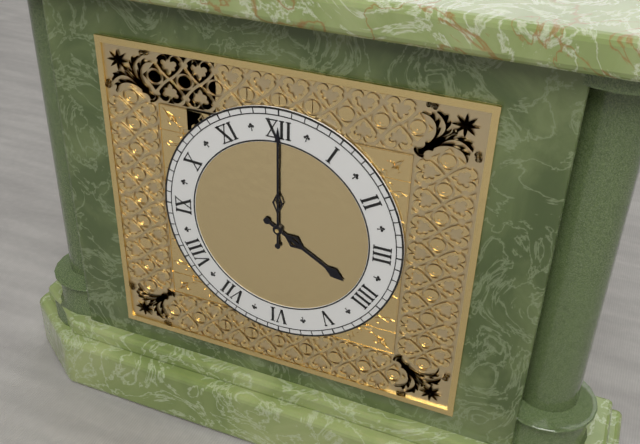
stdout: 4 h 00 min
